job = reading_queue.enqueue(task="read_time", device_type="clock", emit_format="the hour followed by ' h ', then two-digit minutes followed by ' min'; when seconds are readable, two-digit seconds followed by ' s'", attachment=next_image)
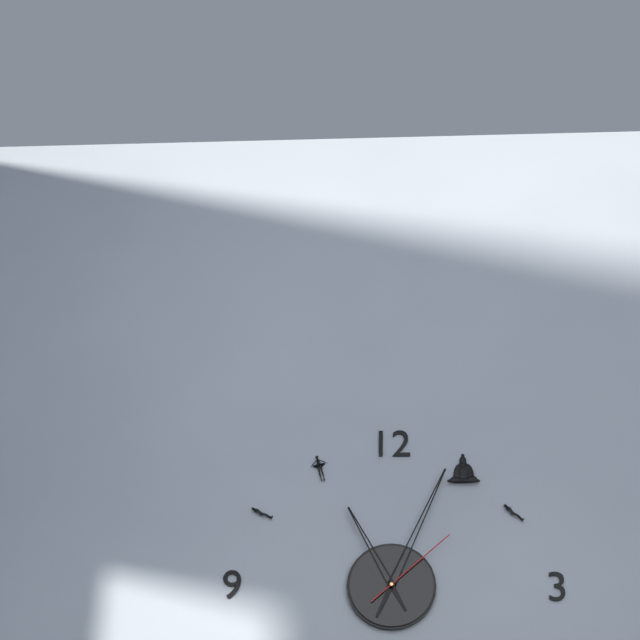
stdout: 11 h 04 min 08 s
